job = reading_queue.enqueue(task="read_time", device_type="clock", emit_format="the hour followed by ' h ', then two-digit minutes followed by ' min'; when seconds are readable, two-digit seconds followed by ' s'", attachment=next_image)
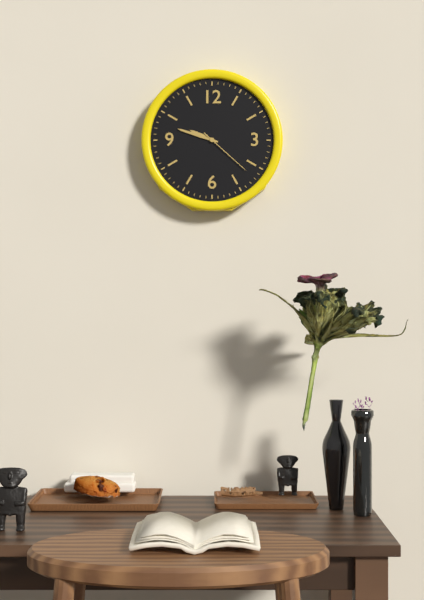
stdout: 9 h 48 min 22 s
